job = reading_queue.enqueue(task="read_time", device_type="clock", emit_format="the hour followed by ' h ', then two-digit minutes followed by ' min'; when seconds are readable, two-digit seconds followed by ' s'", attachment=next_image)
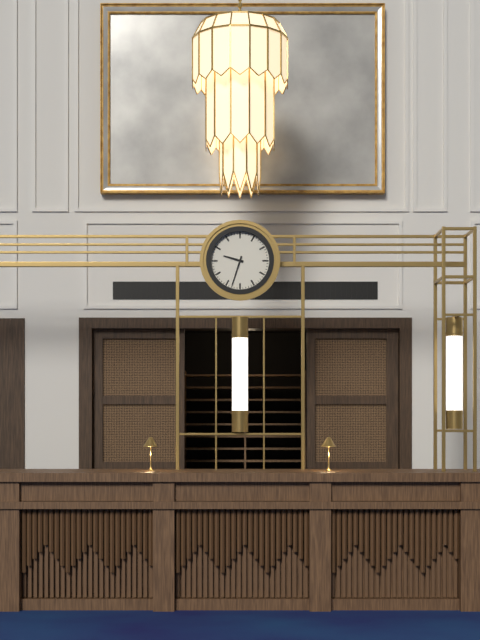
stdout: 9 h 33 min
